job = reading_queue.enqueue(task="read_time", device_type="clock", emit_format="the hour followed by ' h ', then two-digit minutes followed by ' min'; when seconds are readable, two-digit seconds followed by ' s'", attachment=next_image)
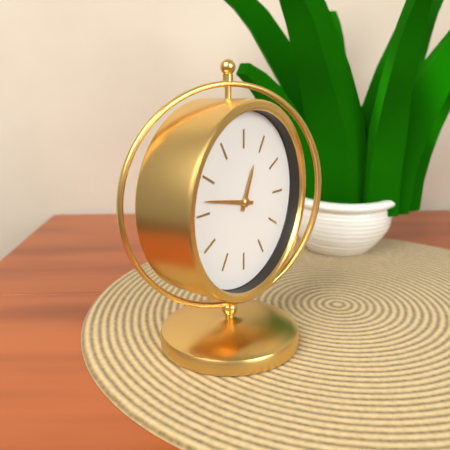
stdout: 12 h 47 min
